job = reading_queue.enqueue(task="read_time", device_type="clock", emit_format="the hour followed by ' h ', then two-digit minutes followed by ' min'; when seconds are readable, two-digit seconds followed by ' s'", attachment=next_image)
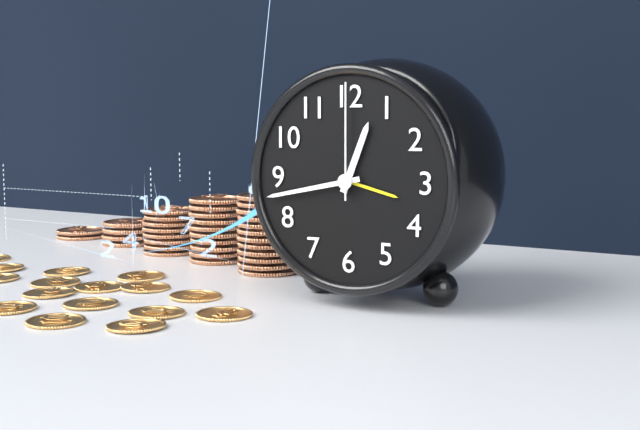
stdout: 12 h 43 min 00 s
